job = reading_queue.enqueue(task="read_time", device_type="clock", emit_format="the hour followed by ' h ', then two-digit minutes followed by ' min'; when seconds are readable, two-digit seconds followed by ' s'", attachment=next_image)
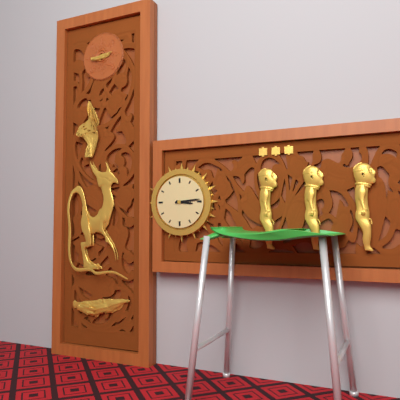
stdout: 3 h 14 min
